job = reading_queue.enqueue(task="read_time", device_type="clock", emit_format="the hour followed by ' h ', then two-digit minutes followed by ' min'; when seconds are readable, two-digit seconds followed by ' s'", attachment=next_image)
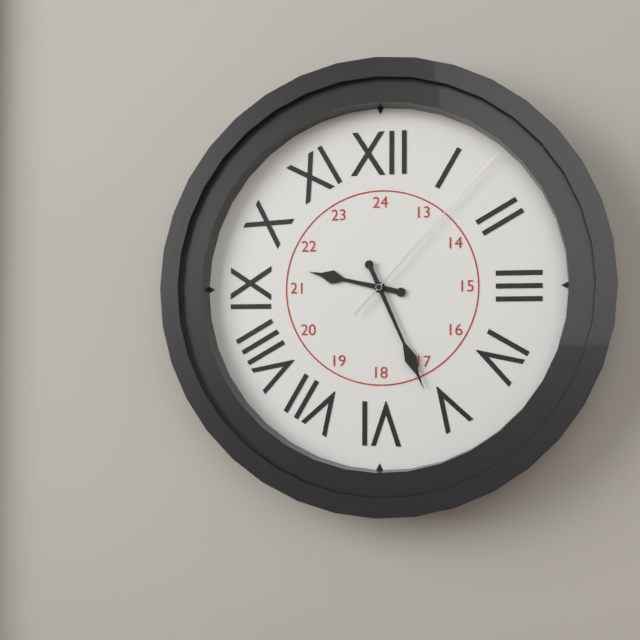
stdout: 9 h 26 min 07 s
